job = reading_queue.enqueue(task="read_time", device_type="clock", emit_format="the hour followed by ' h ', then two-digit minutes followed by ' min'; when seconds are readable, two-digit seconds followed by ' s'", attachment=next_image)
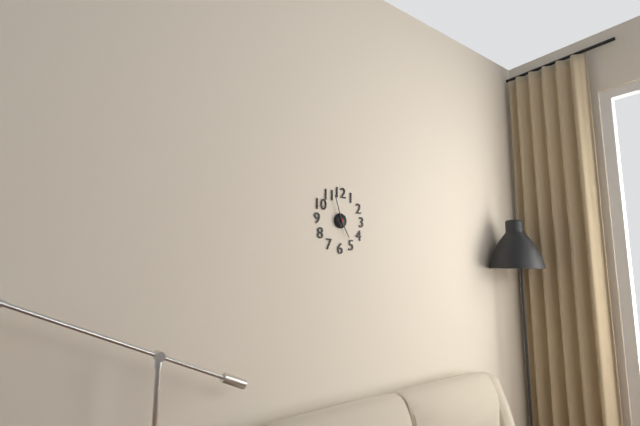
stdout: 4 h 57 min
